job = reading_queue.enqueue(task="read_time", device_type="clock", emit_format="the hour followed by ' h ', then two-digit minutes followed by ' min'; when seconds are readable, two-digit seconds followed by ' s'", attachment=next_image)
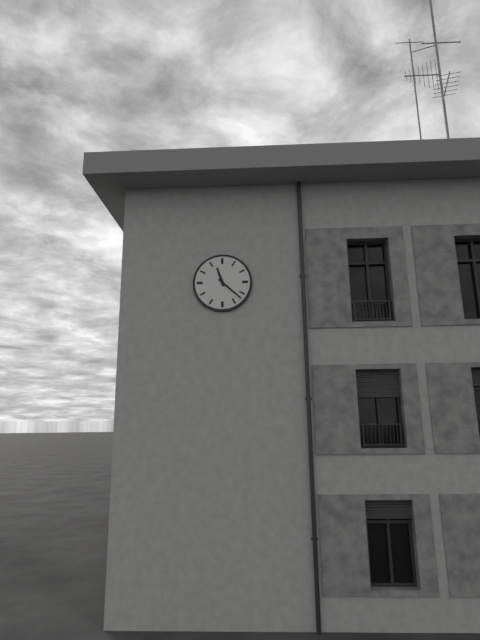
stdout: 11 h 22 min
